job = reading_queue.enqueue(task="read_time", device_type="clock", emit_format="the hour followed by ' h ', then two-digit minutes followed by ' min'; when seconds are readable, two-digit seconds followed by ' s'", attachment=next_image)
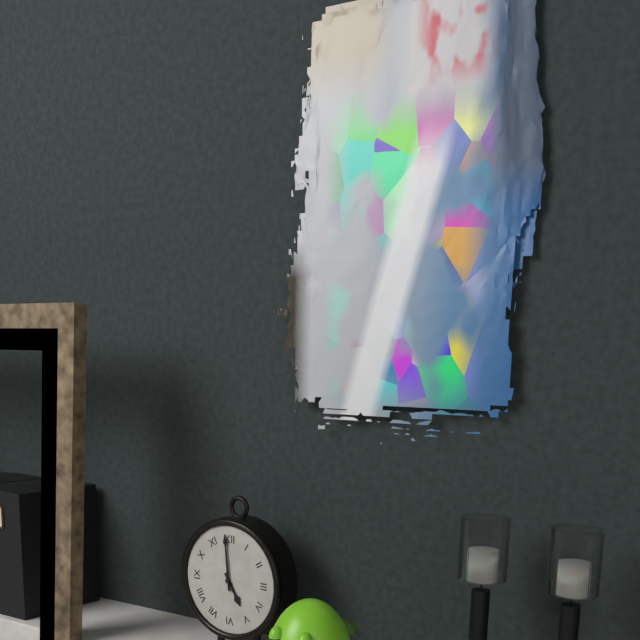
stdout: 4 h 59 min
